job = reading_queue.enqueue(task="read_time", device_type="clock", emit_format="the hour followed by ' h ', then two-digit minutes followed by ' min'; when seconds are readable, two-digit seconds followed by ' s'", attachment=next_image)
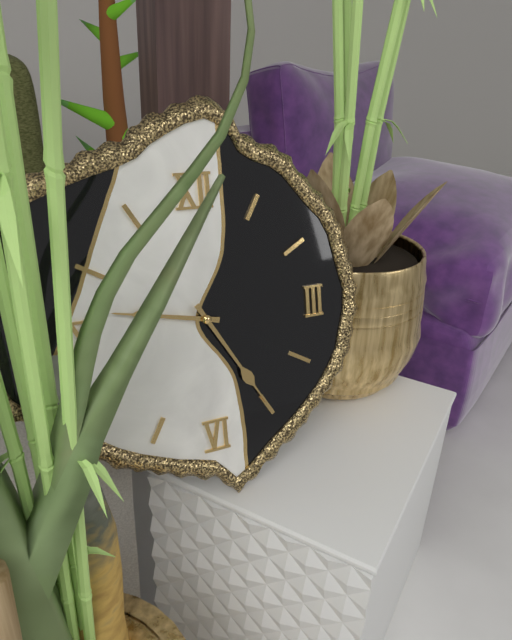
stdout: 9 h 25 min
